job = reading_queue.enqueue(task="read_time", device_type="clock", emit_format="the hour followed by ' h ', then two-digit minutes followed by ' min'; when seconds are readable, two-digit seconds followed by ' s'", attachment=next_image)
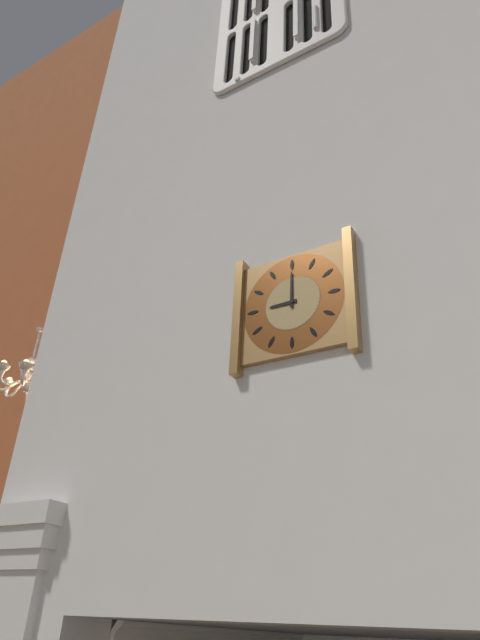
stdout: 9 h 00 min
